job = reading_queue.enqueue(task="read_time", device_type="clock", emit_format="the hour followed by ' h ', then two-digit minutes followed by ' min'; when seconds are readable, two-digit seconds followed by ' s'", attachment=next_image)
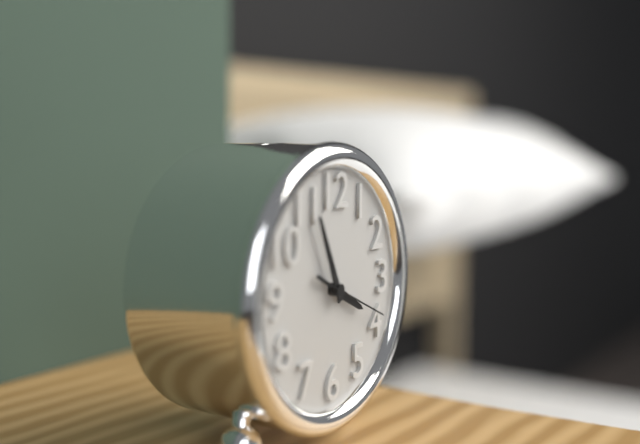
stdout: 3 h 56 min 19 s
